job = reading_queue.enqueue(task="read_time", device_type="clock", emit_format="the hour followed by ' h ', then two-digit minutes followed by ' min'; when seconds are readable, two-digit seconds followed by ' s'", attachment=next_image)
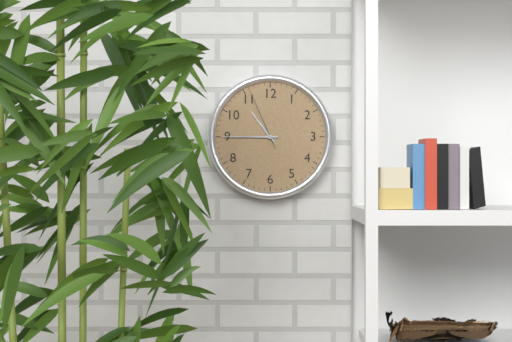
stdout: 10 h 45 min 56 s
